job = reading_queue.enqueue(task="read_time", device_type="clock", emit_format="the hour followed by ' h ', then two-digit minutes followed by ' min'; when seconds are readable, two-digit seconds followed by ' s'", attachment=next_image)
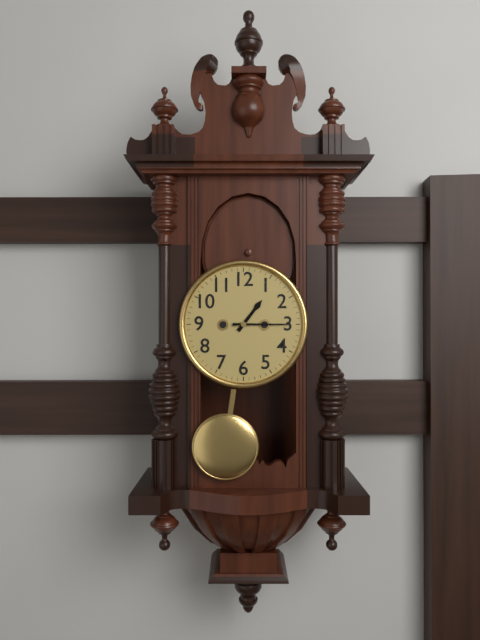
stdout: 1 h 15 min
